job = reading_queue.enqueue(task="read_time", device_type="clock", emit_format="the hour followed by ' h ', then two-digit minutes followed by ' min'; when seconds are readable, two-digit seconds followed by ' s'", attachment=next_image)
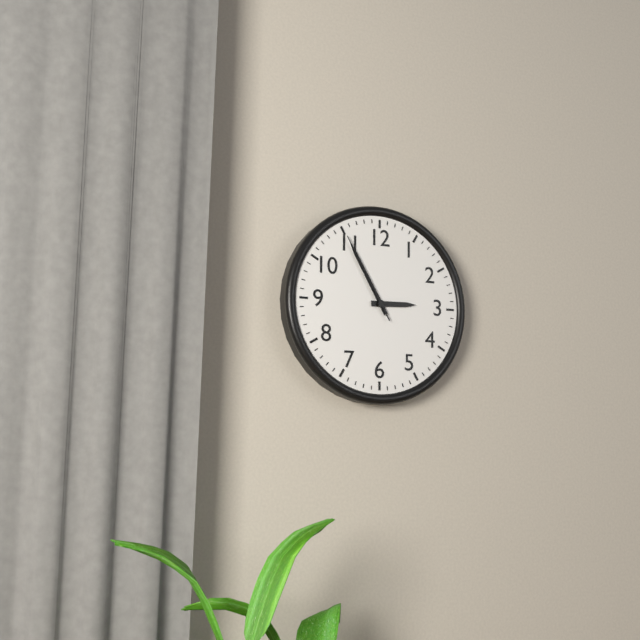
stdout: 2 h 55 min 55 s
